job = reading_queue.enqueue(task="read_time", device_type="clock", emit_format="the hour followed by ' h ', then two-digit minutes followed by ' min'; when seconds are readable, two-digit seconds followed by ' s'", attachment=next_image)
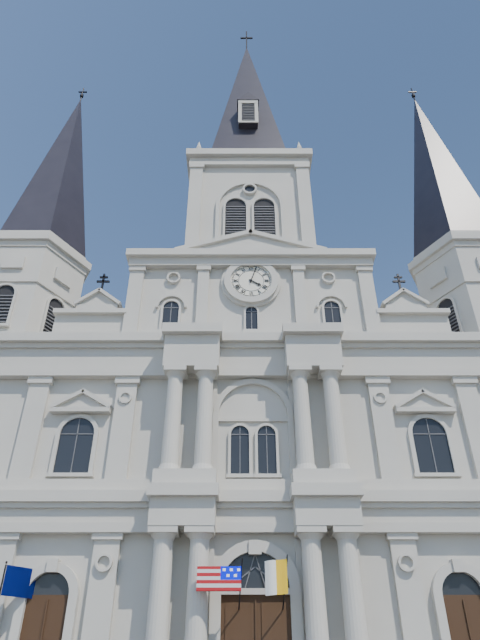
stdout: 4 h 03 min
